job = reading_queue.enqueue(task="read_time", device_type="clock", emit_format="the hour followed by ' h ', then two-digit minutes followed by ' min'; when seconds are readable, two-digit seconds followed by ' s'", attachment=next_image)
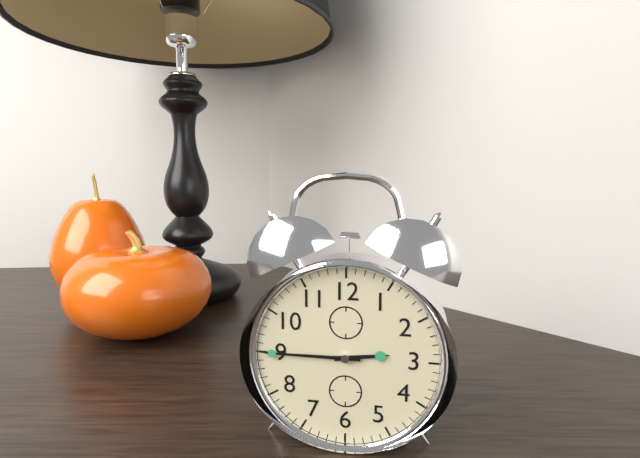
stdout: 2 h 45 min
